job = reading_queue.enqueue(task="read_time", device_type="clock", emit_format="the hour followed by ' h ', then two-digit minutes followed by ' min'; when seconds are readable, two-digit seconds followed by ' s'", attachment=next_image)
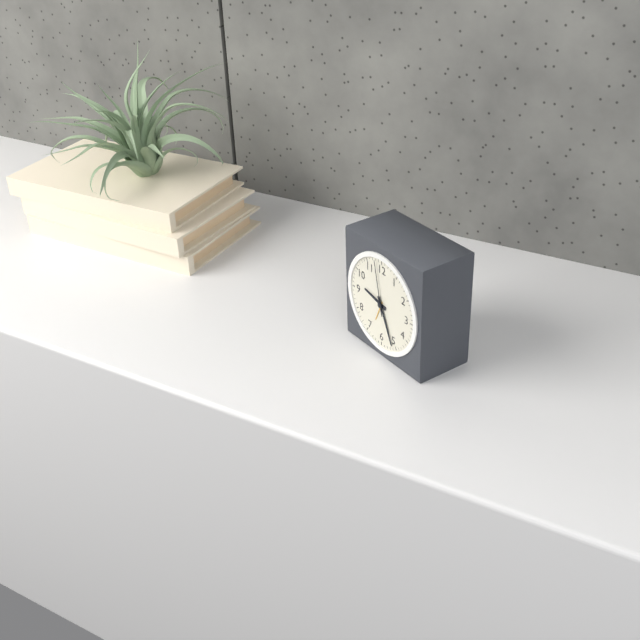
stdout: 9 h 26 min 58 s
